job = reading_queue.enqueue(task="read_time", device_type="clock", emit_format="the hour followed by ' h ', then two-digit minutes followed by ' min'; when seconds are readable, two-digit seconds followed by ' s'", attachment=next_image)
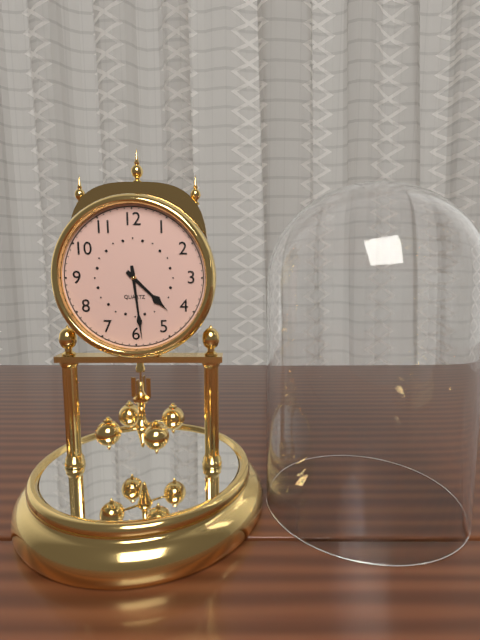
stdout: 4 h 29 min
